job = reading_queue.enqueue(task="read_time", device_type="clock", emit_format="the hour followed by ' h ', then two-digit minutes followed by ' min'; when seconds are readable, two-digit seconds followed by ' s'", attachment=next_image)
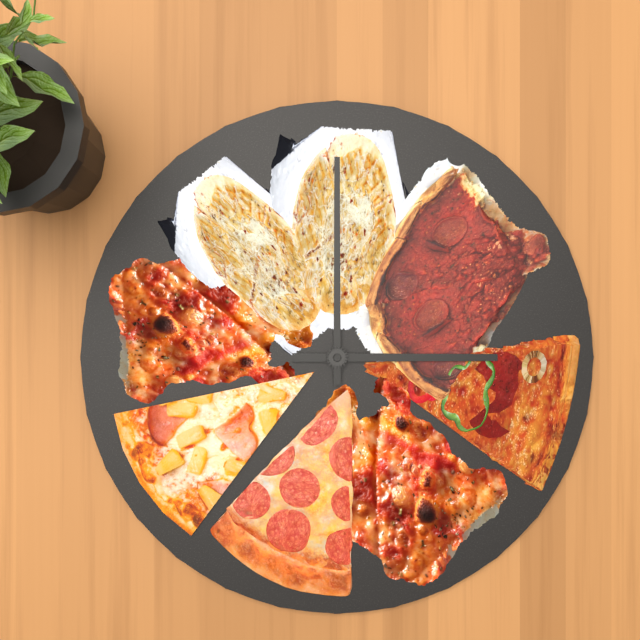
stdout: 3 h 00 min
